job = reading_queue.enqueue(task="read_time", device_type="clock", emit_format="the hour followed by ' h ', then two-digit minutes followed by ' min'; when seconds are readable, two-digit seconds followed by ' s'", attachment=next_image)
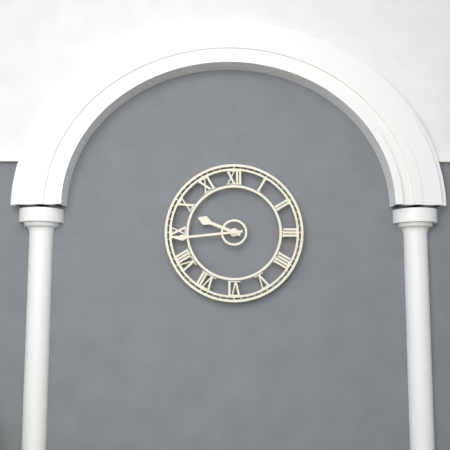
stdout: 9 h 44 min
